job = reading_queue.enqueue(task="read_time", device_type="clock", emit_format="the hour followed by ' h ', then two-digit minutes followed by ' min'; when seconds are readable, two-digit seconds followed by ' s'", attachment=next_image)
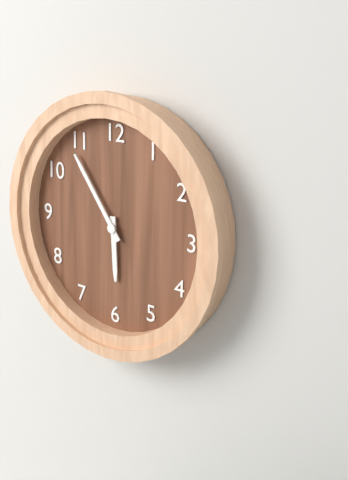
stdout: 5 h 54 min
